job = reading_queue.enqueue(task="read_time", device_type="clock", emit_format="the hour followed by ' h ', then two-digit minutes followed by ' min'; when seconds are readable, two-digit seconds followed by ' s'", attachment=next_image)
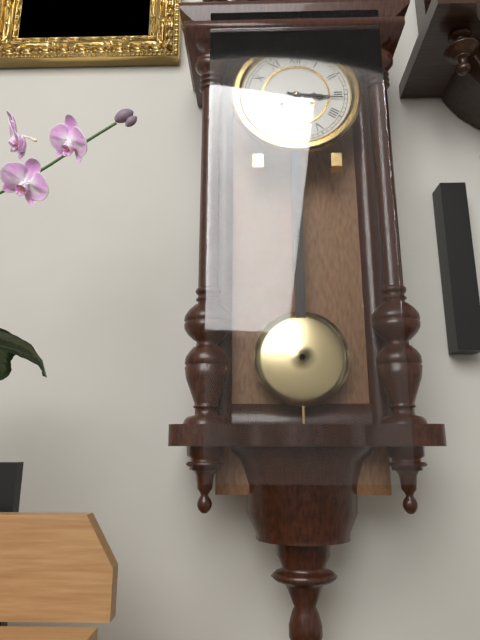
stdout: 3 h 16 min
